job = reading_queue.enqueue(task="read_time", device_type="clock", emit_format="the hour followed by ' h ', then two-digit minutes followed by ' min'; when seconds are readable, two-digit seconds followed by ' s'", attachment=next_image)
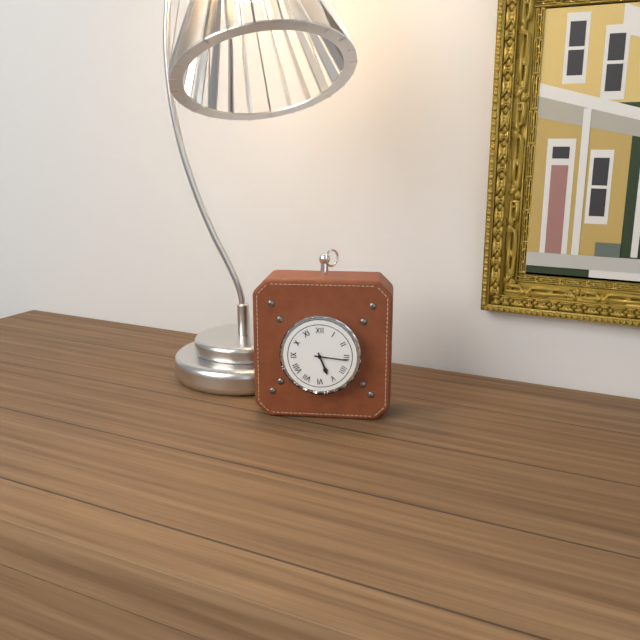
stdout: 5 h 16 min
